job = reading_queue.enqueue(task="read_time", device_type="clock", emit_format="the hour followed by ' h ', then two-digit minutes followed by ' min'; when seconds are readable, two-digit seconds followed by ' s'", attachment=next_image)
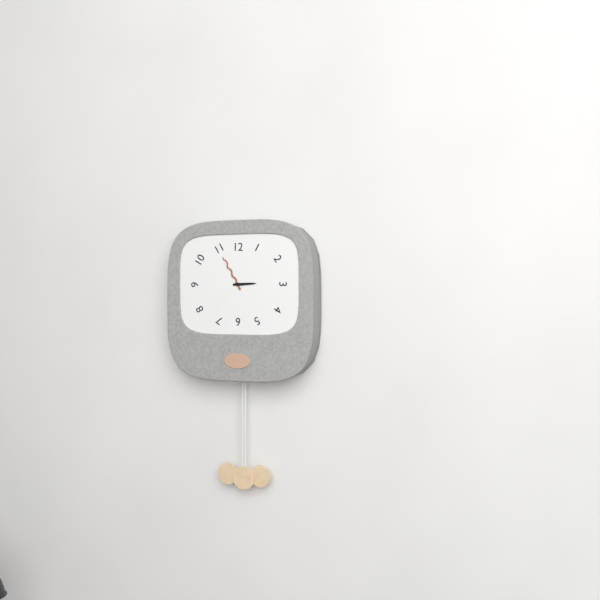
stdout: 2 h 55 min
